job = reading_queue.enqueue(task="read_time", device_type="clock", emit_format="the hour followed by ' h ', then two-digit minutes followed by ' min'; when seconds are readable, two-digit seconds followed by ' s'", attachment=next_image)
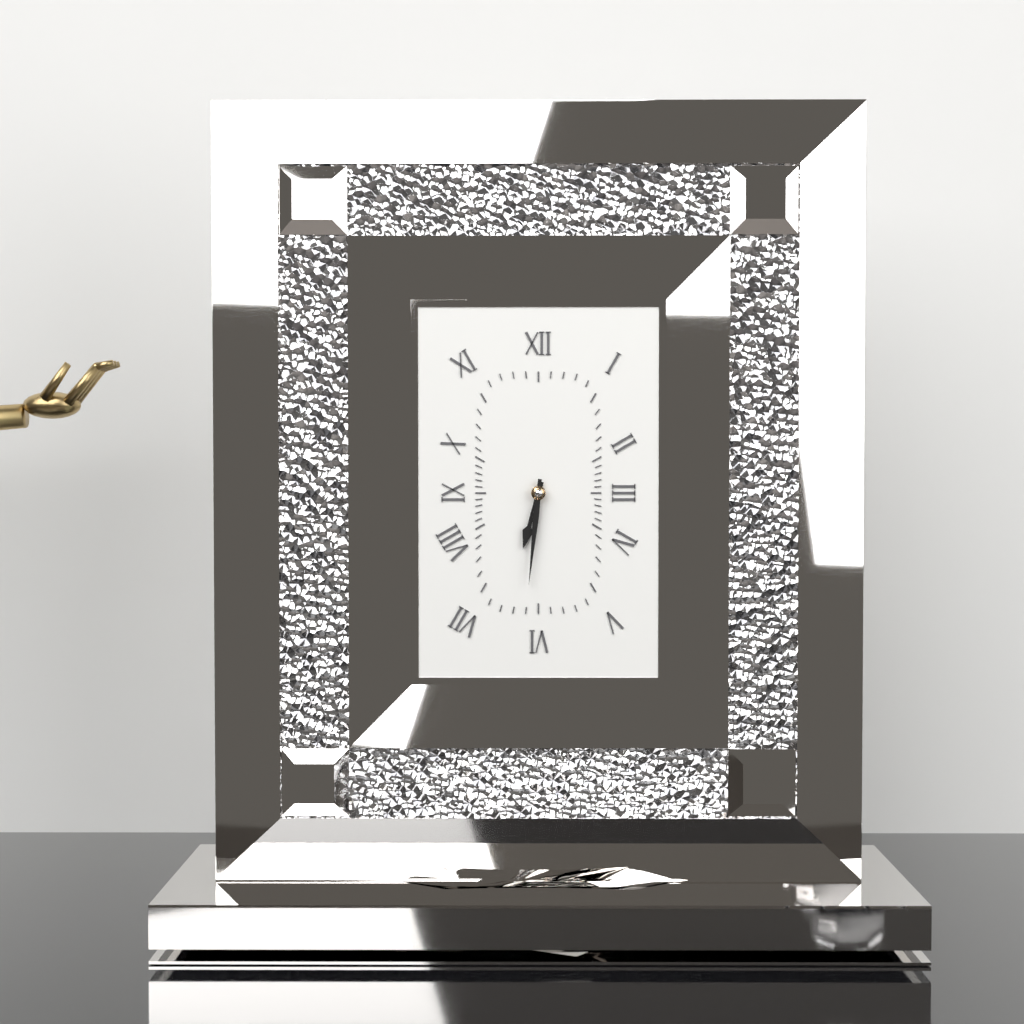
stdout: 6 h 31 min
